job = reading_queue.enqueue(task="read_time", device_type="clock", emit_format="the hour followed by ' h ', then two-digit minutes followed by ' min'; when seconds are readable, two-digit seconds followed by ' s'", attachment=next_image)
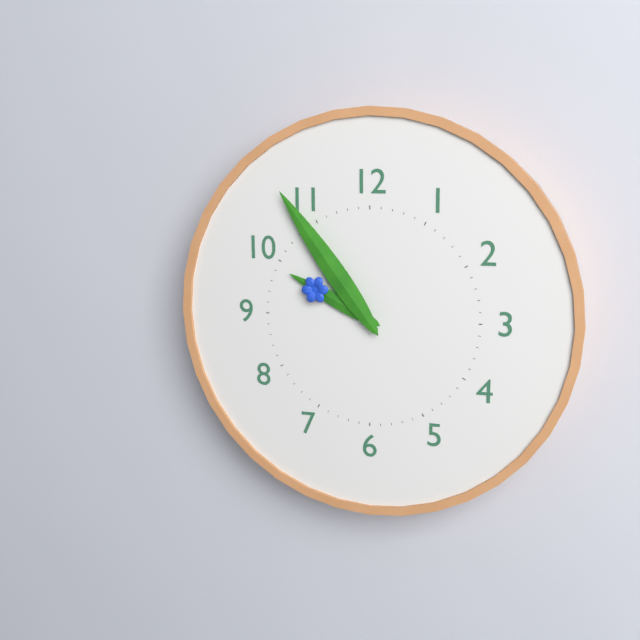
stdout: 9 h 54 min
